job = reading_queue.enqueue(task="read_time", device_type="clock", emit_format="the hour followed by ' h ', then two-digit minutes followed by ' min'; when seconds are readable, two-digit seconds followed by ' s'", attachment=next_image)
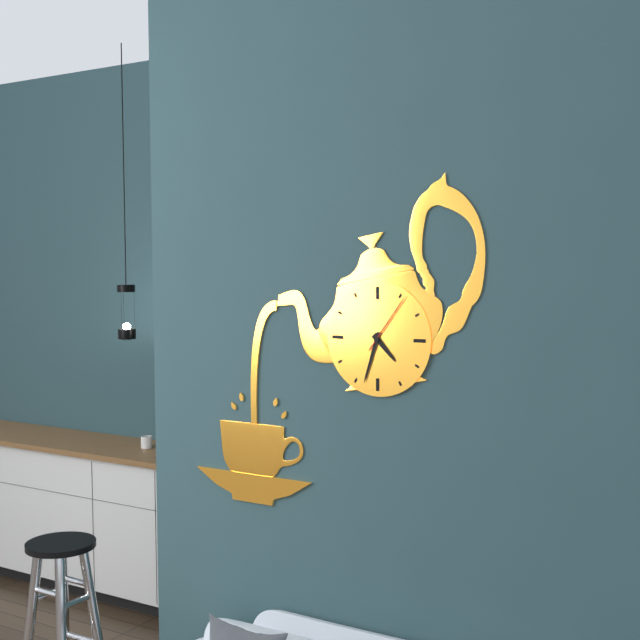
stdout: 4 h 33 min 06 s
